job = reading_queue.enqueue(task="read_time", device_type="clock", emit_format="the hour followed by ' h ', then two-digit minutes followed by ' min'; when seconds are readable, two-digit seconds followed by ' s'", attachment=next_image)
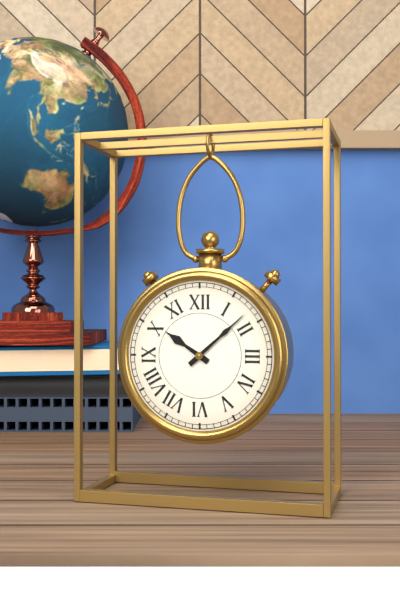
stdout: 10 h 08 min
